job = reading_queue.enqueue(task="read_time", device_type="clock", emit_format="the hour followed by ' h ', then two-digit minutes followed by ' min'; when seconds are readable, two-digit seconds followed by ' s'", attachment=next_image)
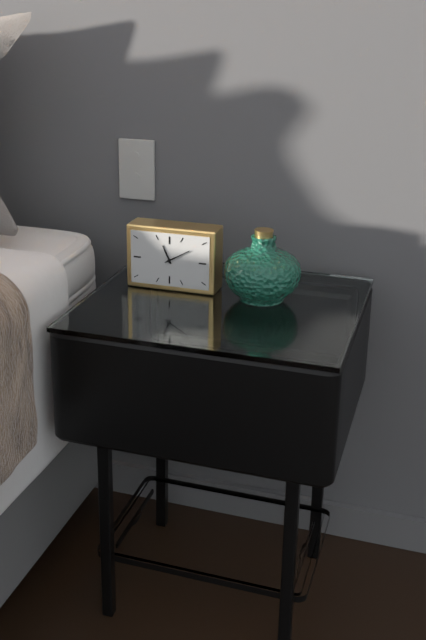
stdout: 11 h 10 min
